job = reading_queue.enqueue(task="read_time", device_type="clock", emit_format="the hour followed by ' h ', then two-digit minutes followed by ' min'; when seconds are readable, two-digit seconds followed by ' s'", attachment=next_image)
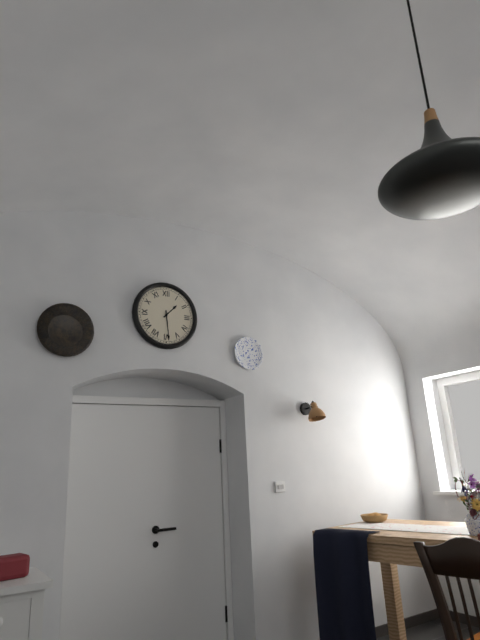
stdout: 1 h 29 min
